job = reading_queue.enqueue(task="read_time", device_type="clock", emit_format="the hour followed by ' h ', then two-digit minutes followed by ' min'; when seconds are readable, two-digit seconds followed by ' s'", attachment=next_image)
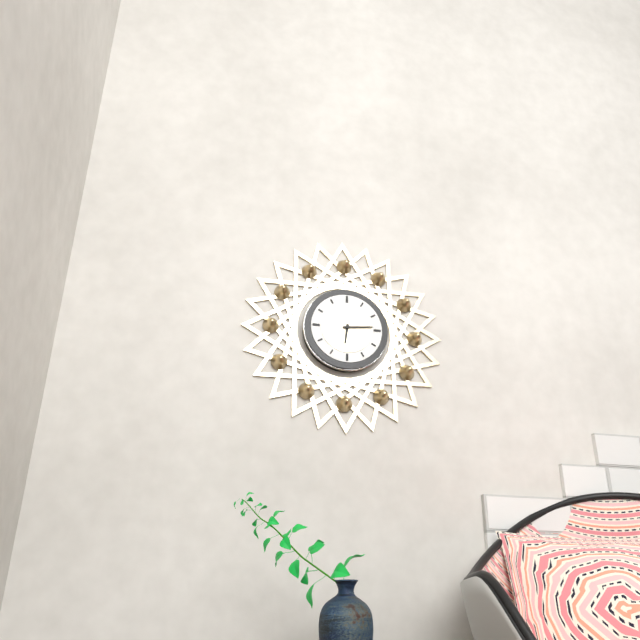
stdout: 6 h 14 min
